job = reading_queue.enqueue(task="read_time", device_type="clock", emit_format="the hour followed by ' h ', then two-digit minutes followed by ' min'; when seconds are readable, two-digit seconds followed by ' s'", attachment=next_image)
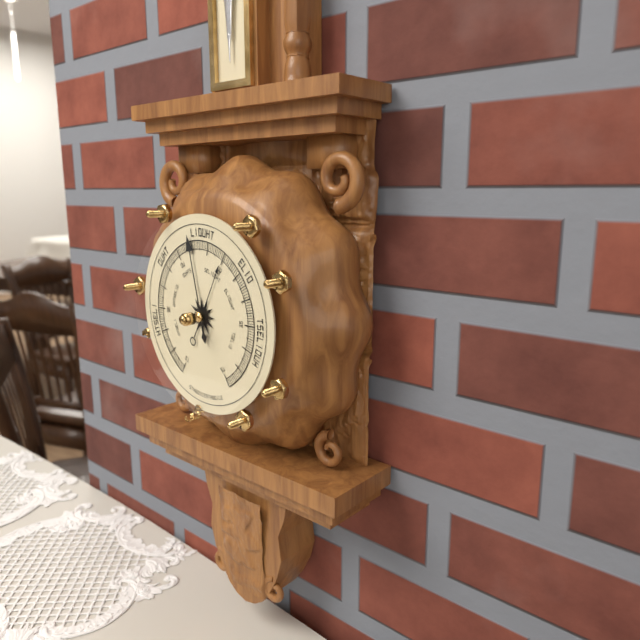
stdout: 12 h 58 min
